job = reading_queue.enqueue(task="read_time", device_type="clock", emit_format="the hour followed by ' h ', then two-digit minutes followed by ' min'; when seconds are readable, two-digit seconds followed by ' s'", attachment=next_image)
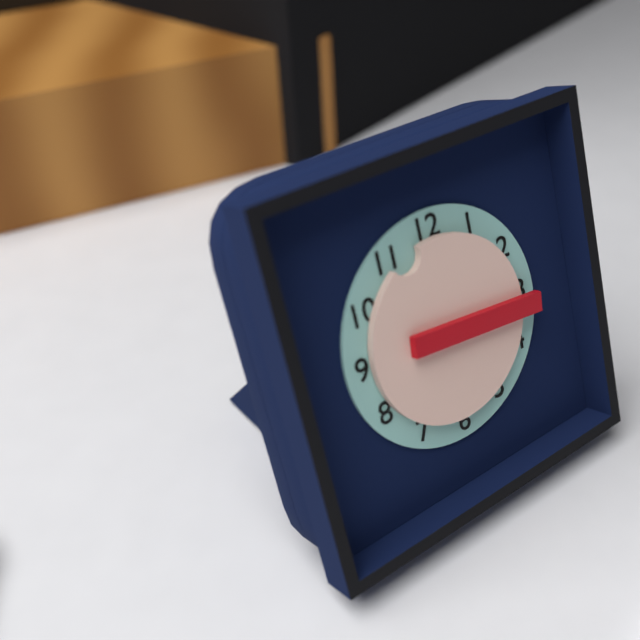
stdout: 11 h 16 min
